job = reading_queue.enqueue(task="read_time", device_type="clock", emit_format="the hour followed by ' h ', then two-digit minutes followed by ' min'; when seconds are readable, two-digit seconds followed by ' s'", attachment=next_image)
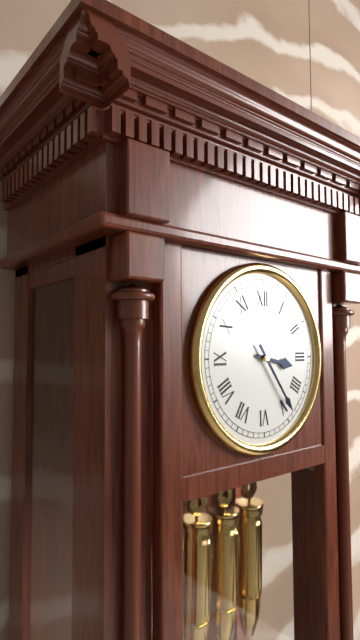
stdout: 3 h 24 min
